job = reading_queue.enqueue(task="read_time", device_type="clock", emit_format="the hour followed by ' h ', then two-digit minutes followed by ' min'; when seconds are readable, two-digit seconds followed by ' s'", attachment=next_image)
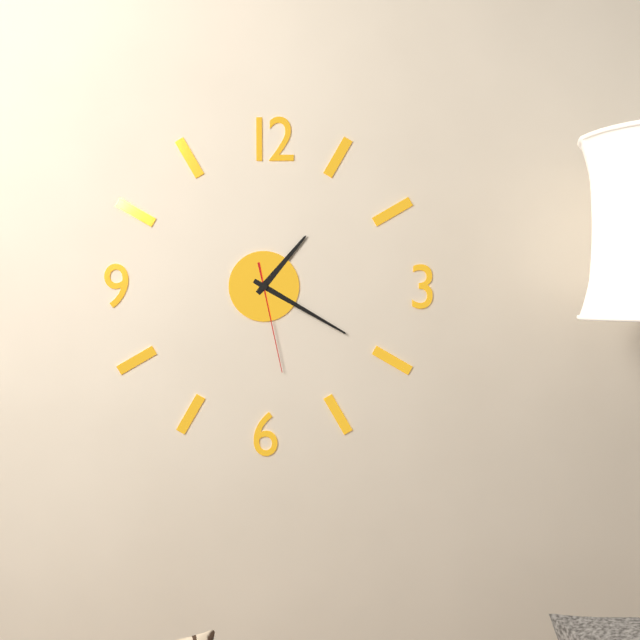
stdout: 1 h 20 min 28 s
